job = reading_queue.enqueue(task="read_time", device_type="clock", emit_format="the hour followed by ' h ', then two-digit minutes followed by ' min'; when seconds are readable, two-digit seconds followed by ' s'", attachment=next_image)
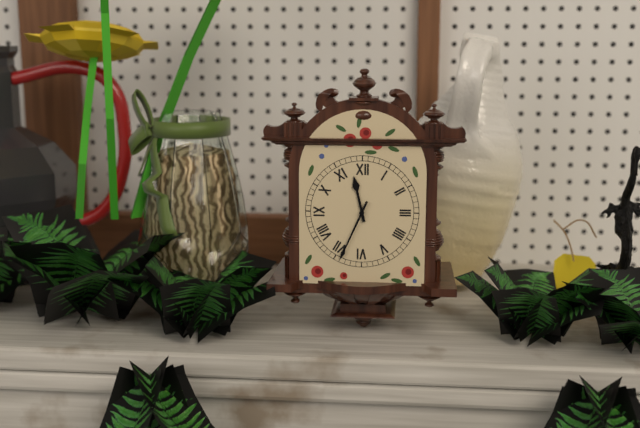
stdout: 11 h 34 min
